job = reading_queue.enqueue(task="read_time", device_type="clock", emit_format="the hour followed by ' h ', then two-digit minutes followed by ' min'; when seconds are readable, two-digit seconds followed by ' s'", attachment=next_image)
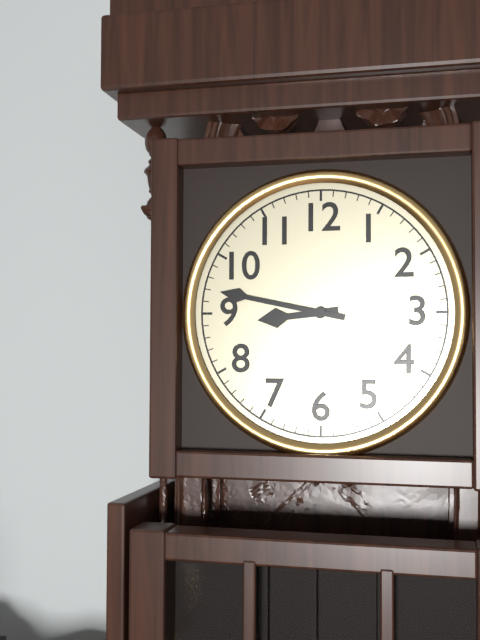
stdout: 8 h 47 min
